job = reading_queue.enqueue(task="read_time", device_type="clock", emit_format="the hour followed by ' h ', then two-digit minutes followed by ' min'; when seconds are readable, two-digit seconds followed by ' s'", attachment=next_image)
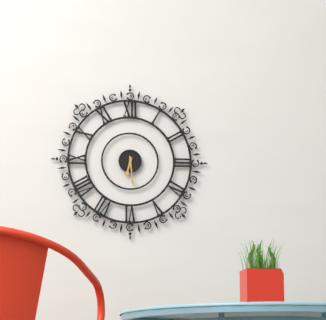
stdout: 6 h 29 min
